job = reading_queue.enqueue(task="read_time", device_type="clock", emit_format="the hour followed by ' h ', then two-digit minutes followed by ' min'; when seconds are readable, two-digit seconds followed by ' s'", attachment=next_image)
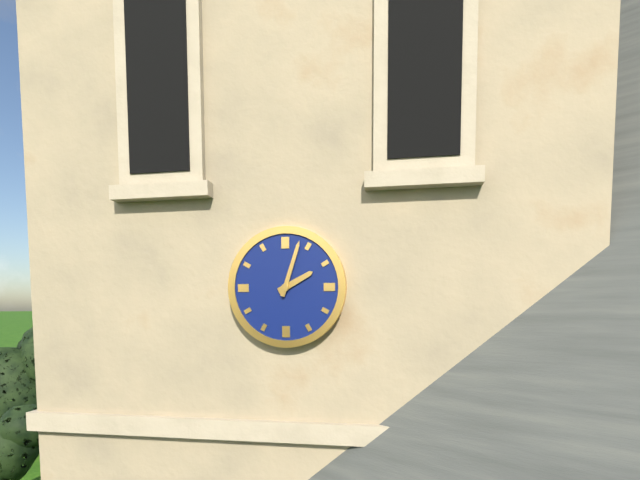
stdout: 2 h 03 min
